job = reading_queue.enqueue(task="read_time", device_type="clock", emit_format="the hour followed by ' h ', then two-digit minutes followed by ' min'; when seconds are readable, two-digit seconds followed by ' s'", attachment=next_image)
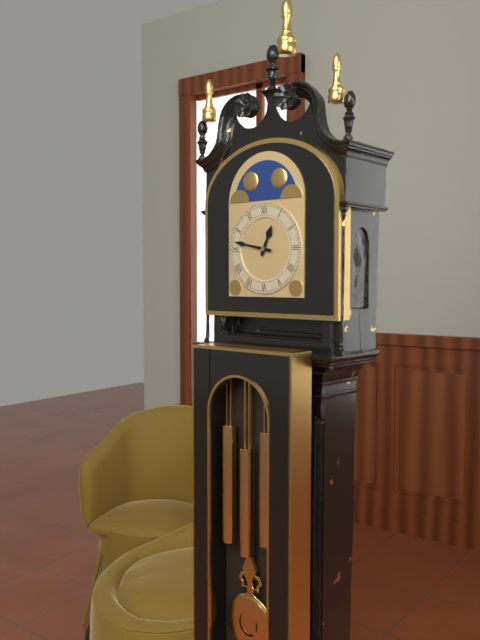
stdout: 12 h 47 min
